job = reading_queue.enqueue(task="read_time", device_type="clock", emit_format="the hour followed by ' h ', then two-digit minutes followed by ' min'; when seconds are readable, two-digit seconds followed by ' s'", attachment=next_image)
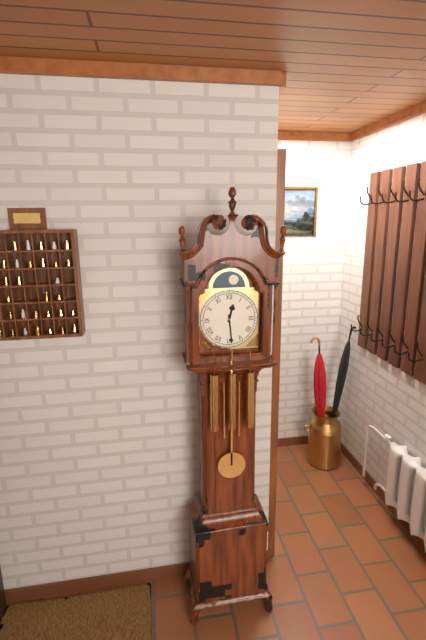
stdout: 12 h 29 min
